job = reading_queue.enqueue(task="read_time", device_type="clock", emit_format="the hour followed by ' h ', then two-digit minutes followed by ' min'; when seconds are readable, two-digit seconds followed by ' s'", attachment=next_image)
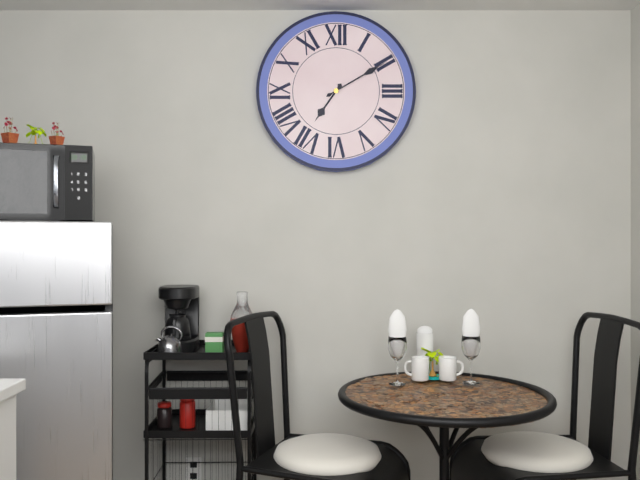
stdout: 7 h 10 min
